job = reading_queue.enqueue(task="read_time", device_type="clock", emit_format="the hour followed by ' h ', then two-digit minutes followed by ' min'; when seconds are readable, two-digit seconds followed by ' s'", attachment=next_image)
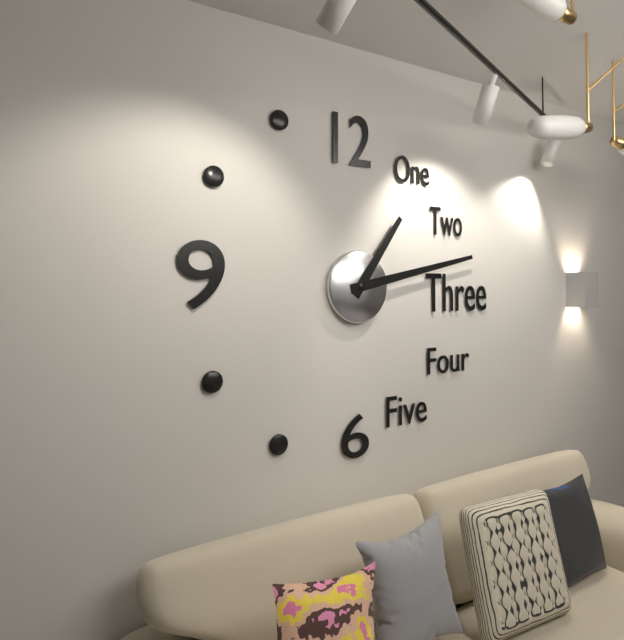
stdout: 1 h 13 min
